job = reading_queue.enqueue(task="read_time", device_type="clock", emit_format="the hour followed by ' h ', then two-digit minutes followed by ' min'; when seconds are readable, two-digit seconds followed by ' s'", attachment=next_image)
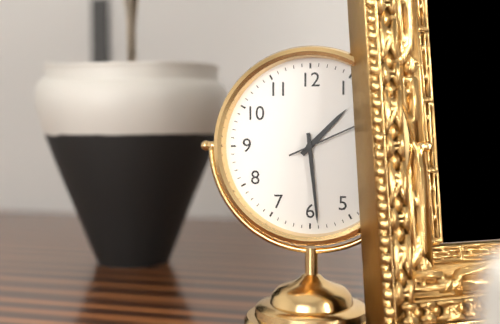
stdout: 1 h 29 min
